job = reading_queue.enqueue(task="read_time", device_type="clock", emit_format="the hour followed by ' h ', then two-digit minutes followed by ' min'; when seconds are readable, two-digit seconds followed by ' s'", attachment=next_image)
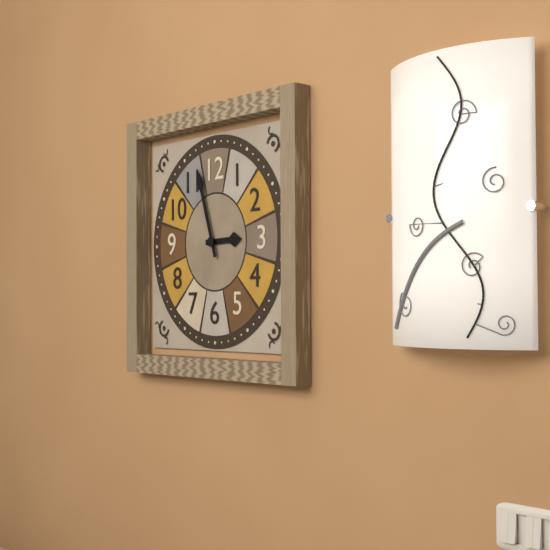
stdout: 2 h 57 min
